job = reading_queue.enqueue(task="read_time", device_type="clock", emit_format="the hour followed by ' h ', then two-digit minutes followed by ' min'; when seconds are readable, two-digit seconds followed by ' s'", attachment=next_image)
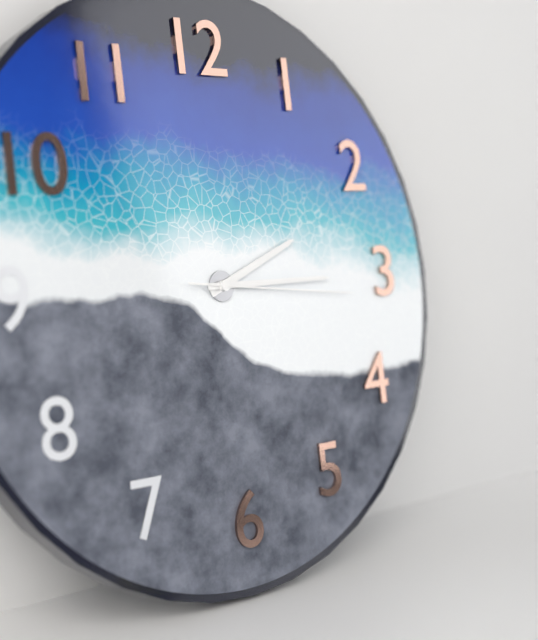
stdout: 2 h 15 min 16 s
